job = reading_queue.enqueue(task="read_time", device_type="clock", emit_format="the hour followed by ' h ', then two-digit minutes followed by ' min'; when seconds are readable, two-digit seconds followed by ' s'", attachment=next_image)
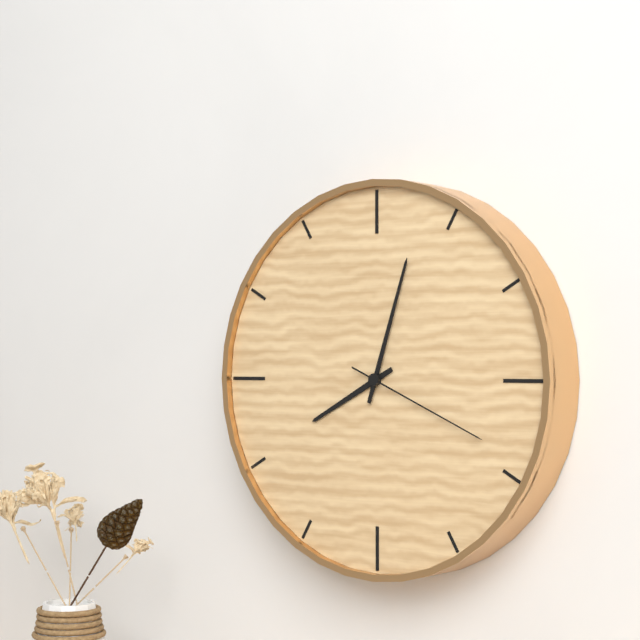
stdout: 8 h 03 min 19 s
